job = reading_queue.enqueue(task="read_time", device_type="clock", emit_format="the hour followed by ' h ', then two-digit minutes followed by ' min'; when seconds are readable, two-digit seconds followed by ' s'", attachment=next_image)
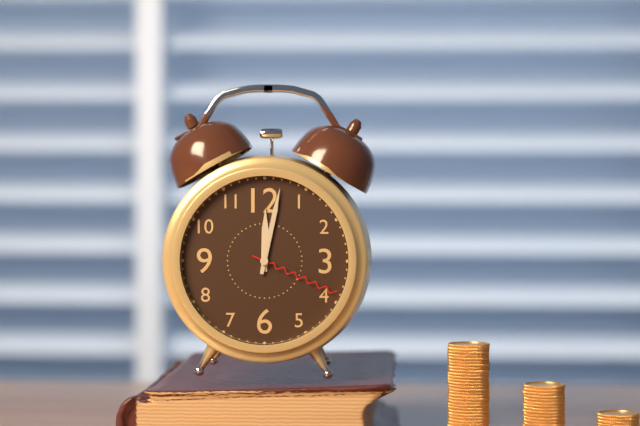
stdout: 12 h 02 min 19 s
